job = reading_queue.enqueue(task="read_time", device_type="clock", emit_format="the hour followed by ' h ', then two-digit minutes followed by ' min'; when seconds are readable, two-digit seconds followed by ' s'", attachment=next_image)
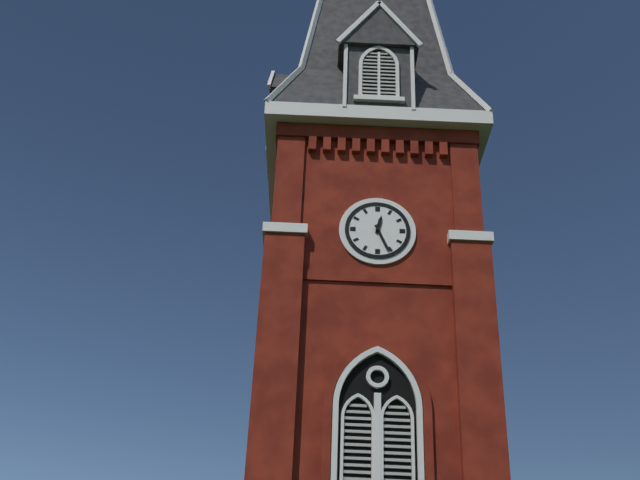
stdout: 12 h 26 min
